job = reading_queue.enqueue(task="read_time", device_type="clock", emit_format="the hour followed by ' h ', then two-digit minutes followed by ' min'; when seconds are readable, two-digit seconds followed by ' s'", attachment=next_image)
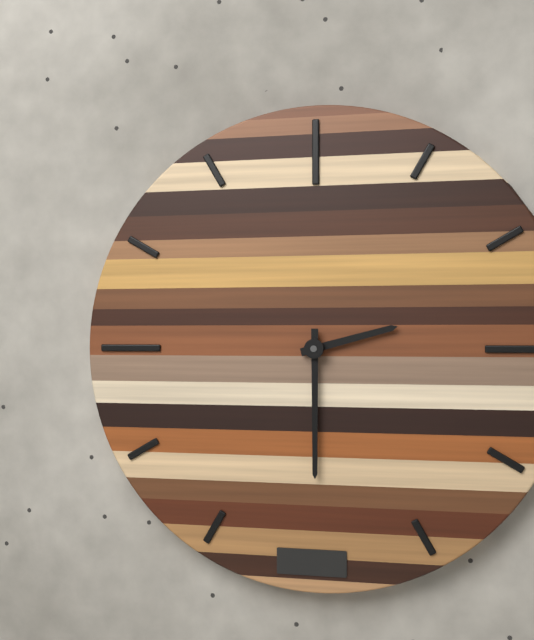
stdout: 2 h 30 min
